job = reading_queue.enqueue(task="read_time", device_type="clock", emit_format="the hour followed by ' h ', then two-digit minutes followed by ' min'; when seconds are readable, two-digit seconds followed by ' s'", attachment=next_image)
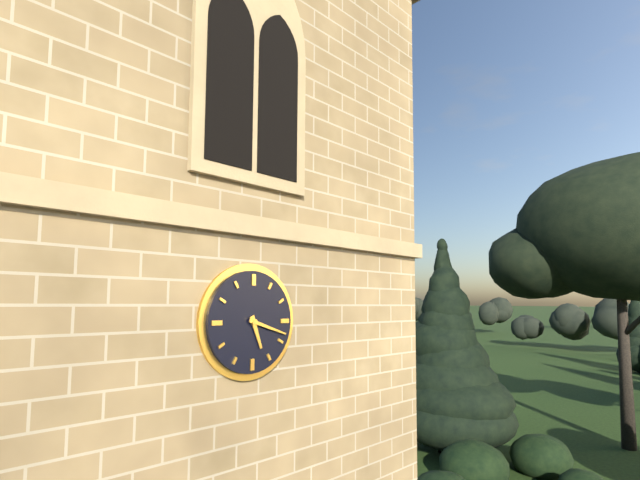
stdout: 5 h 18 min
